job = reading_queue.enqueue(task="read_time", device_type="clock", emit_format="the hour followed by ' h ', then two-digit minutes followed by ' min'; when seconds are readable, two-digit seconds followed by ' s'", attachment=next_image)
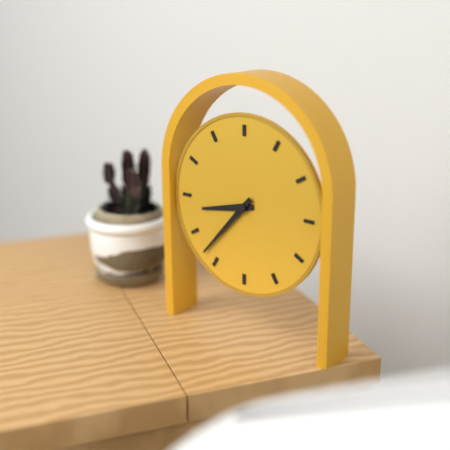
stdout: 8 h 37 min
